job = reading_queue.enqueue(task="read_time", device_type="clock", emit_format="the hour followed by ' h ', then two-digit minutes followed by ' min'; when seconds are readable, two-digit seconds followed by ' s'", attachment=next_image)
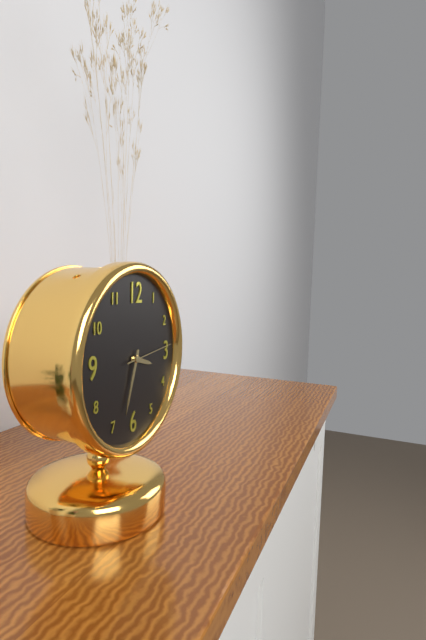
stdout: 3 h 33 min 14 s
